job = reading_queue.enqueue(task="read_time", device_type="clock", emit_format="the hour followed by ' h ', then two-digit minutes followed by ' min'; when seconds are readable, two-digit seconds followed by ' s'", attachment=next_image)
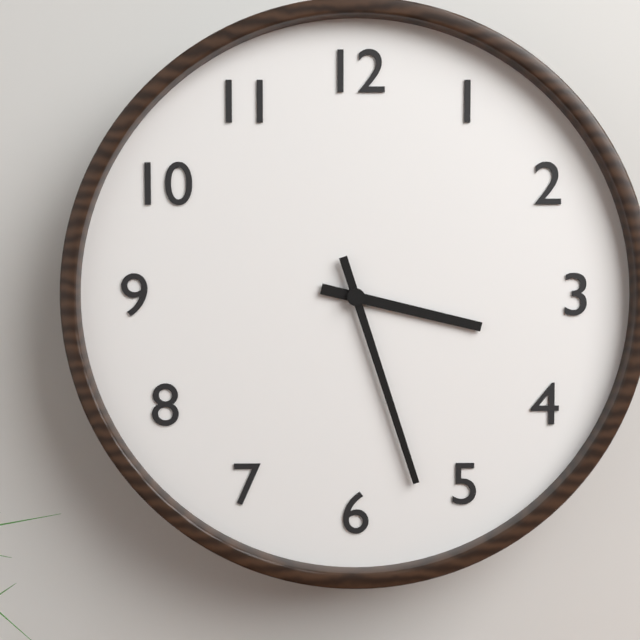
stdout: 3 h 27 min
